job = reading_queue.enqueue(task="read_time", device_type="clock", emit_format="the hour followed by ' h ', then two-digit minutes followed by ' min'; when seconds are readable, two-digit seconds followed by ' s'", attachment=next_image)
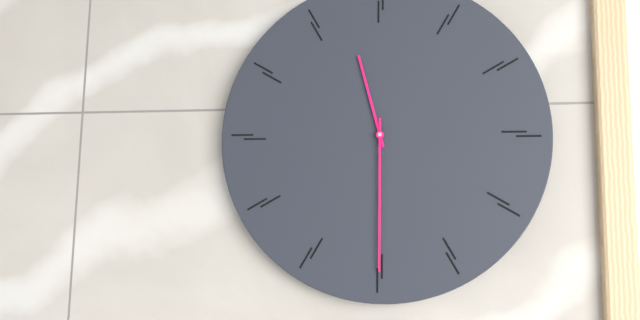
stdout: 11 h 30 min
